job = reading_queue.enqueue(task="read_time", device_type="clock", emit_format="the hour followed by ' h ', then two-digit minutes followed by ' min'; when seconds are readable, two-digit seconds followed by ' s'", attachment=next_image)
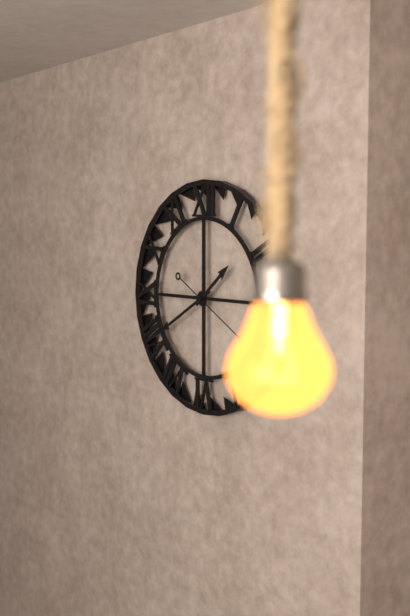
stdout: 1 h 40 min 20 s
